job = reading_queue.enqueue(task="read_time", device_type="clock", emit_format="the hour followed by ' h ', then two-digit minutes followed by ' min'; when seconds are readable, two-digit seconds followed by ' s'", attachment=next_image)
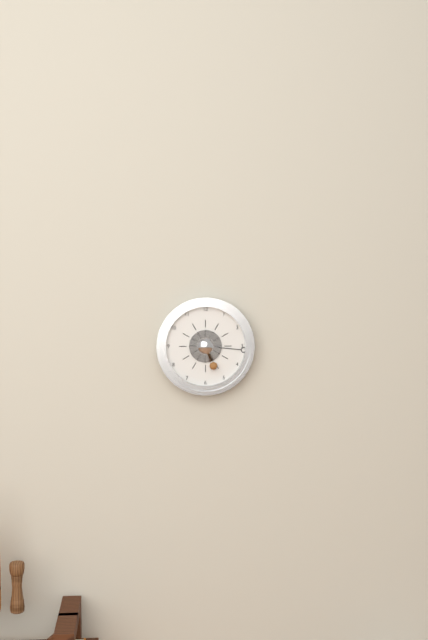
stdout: 5 h 16 min
